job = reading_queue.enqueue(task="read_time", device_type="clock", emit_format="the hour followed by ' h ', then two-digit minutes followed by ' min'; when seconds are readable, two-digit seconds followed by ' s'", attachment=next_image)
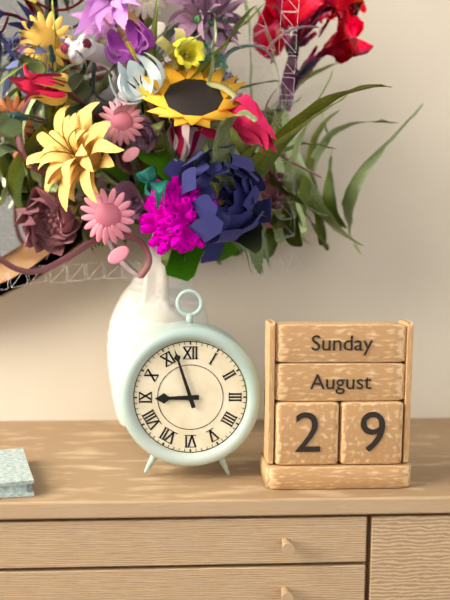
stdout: 8 h 57 min
